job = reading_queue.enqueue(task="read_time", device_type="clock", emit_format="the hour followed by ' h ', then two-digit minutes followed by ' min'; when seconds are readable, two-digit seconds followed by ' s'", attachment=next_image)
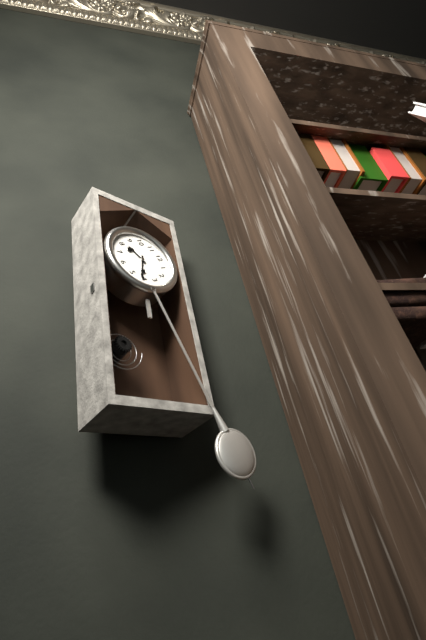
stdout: 8 h 21 min
